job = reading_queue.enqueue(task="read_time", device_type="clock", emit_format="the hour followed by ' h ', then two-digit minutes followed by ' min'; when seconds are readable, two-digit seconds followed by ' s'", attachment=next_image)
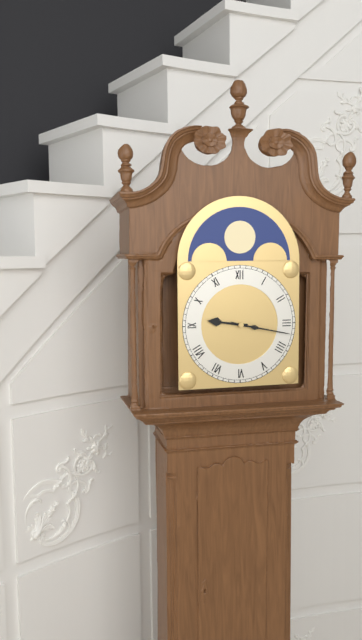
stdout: 9 h 17 min
